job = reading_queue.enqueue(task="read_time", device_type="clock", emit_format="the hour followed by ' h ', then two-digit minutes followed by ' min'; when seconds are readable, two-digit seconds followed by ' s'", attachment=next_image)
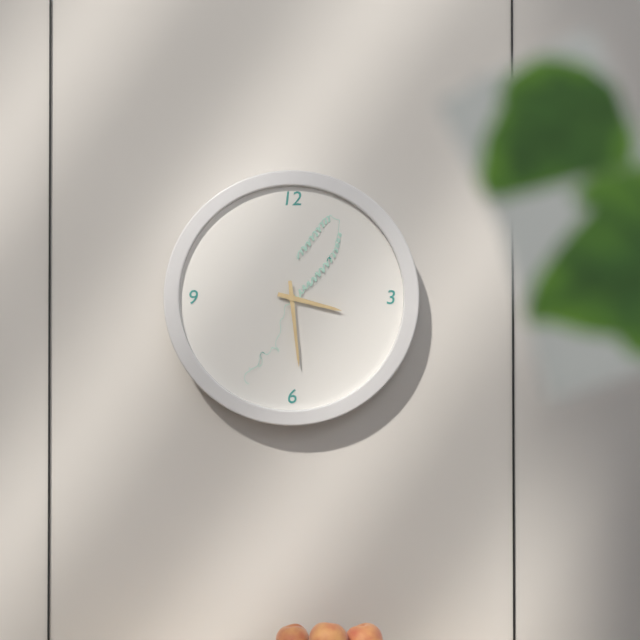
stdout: 3 h 29 min
